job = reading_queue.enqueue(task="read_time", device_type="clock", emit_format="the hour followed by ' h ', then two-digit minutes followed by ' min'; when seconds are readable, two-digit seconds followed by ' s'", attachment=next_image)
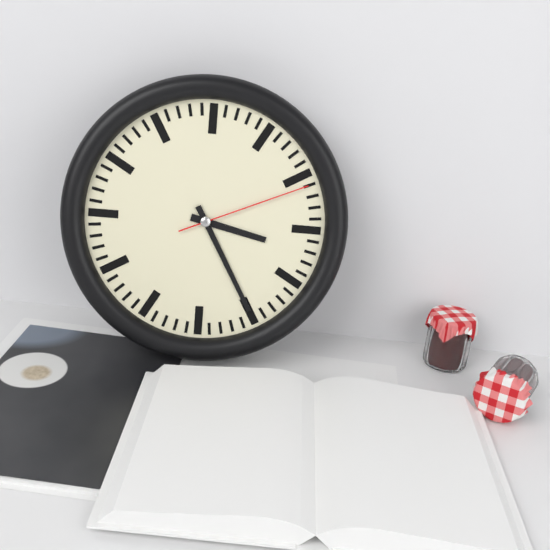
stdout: 3 h 25 min 11 s
